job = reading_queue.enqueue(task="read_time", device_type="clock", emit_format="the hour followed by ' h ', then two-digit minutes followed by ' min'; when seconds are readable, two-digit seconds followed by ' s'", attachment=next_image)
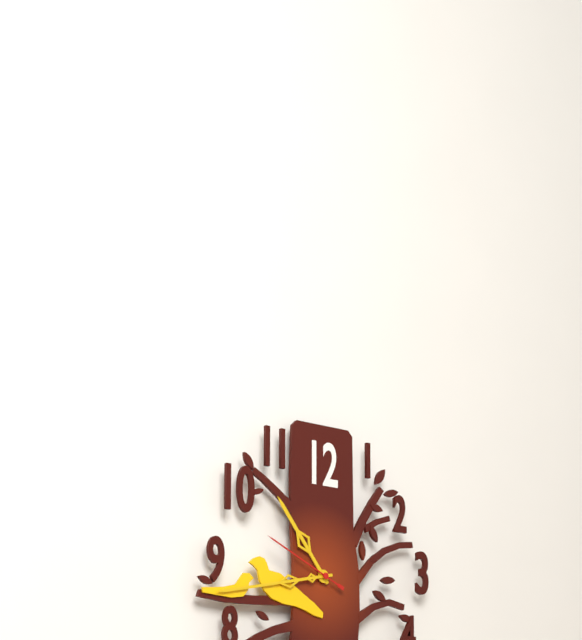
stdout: 10 h 43 min 49 s
